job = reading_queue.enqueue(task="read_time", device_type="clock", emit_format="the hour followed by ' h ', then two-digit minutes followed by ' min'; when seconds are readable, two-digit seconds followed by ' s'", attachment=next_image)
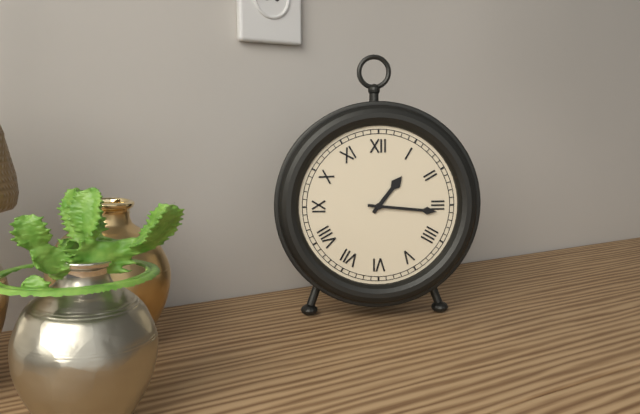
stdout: 1 h 16 min
